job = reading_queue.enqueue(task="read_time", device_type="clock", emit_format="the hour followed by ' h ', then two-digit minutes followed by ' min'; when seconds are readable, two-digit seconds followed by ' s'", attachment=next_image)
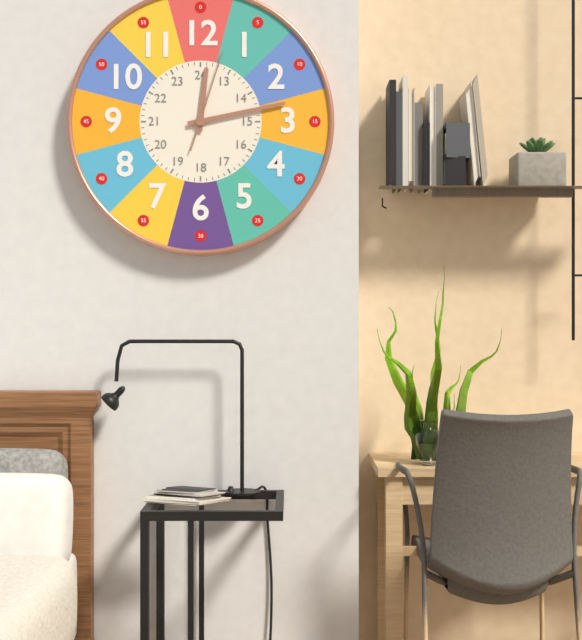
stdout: 12 h 13 min 03 s
